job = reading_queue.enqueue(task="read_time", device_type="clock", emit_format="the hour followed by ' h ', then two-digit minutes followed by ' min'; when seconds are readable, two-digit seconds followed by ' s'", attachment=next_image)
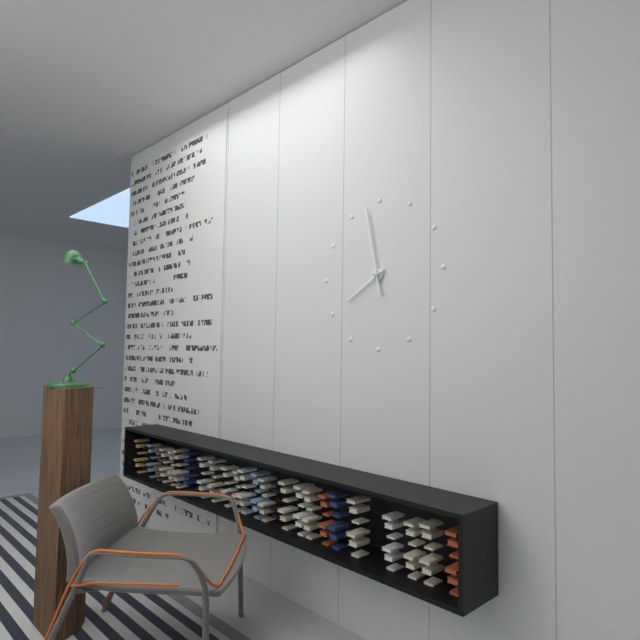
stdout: 7 h 58 min
